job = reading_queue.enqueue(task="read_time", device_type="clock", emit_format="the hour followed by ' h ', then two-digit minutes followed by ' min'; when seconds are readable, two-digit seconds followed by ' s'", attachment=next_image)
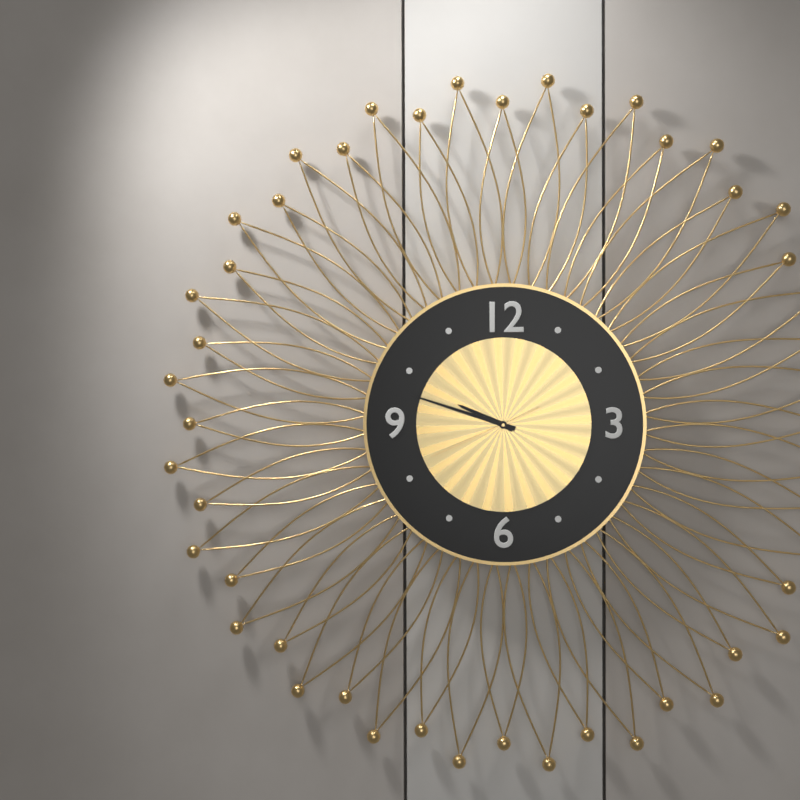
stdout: 9 h 48 min 41 s
